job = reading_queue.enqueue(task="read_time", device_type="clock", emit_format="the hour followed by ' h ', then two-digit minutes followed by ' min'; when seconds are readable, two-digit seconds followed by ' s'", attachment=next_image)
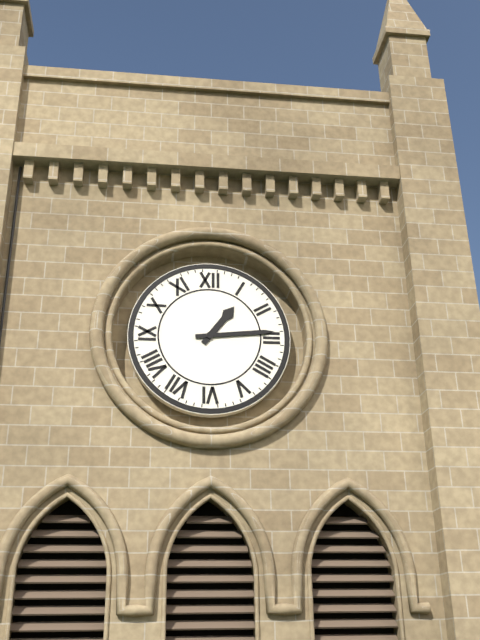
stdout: 1 h 14 min
